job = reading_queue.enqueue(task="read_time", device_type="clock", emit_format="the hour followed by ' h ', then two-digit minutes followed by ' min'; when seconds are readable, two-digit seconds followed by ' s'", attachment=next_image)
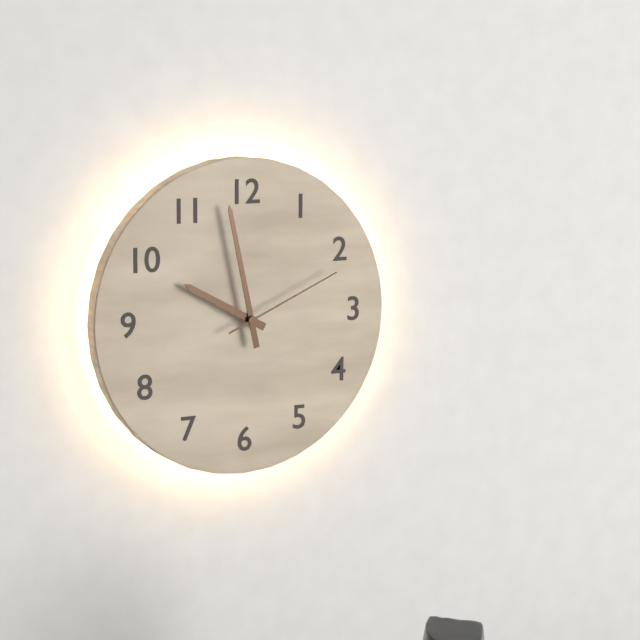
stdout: 9 h 58 min 11 s
